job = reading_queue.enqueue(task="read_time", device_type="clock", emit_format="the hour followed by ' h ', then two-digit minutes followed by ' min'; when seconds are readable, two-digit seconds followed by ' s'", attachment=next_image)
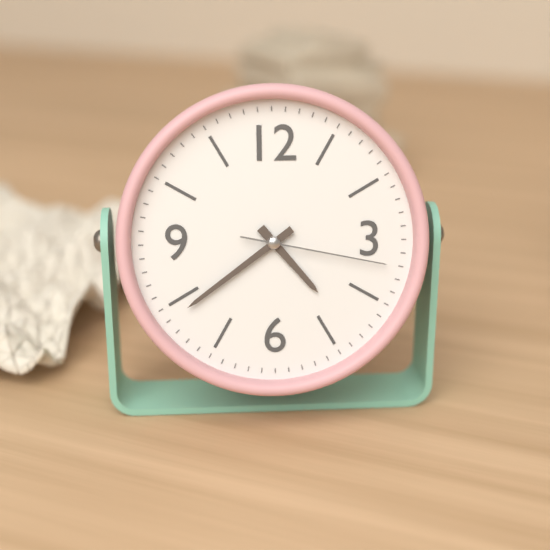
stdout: 4 h 39 min 17 s
